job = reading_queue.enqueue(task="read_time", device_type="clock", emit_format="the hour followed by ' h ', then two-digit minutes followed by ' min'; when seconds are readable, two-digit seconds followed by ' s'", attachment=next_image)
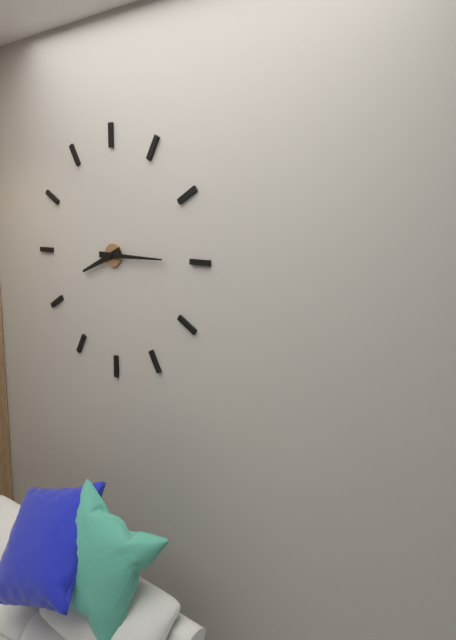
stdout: 8 h 15 min
